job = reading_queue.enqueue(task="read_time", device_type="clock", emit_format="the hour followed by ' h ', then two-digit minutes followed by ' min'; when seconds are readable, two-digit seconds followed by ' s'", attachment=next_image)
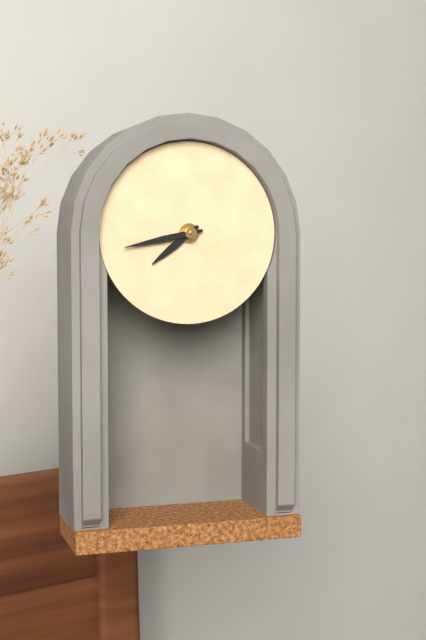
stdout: 7 h 43 min
